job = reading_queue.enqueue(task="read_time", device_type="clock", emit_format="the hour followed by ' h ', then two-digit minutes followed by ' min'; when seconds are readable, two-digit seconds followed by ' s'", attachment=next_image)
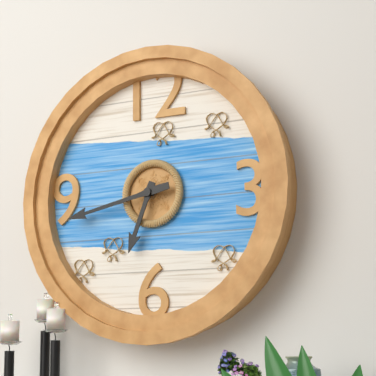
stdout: 6 h 43 min
